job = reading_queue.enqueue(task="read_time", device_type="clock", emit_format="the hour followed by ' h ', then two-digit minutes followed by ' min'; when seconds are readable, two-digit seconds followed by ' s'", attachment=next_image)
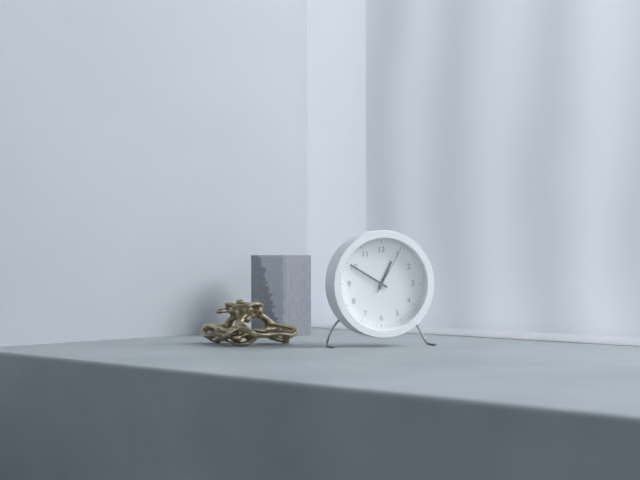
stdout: 12 h 50 min
